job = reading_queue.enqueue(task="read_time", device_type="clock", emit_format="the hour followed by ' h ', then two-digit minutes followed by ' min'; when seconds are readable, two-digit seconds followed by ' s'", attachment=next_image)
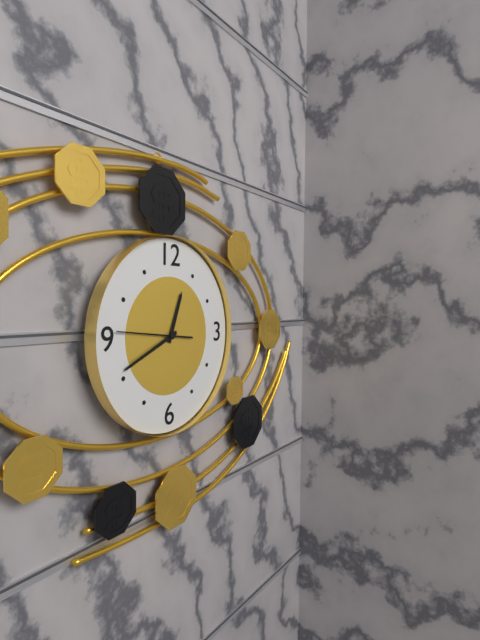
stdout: 12 h 41 min 46 s
